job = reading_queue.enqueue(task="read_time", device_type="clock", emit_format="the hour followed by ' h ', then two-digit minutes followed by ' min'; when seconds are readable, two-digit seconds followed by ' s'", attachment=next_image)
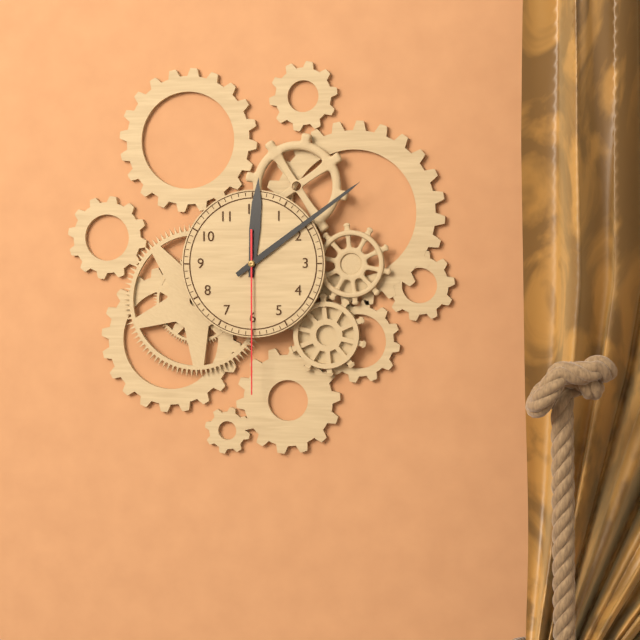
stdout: 12 h 09 min 30 s
